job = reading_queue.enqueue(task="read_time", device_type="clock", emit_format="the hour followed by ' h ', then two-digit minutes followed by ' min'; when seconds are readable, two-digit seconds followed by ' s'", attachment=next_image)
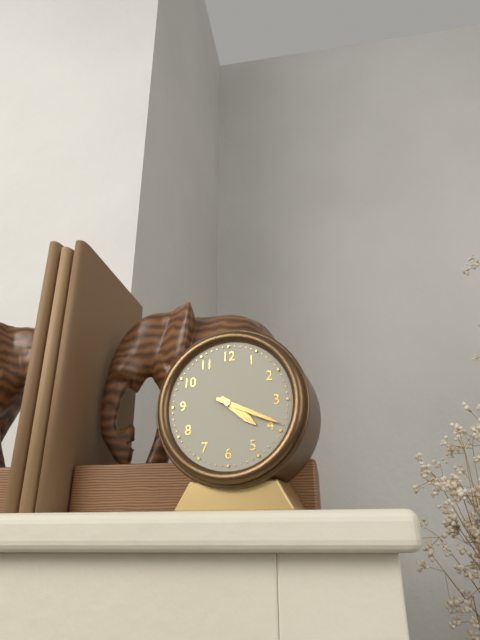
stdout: 4 h 19 min
